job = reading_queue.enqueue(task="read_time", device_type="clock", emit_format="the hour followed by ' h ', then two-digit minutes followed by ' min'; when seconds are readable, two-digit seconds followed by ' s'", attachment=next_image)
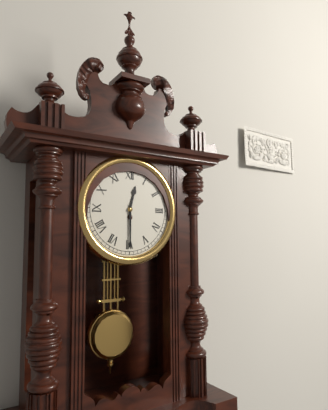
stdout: 12 h 30 min
